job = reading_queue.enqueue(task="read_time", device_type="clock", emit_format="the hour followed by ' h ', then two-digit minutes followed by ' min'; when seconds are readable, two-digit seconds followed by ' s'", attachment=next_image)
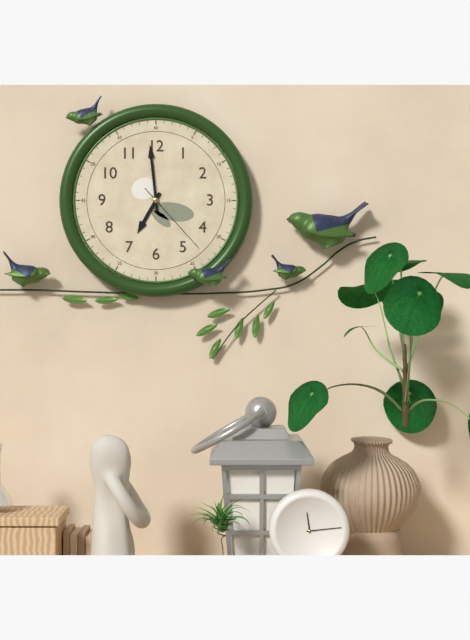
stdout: 6 h 59 min 23 s
